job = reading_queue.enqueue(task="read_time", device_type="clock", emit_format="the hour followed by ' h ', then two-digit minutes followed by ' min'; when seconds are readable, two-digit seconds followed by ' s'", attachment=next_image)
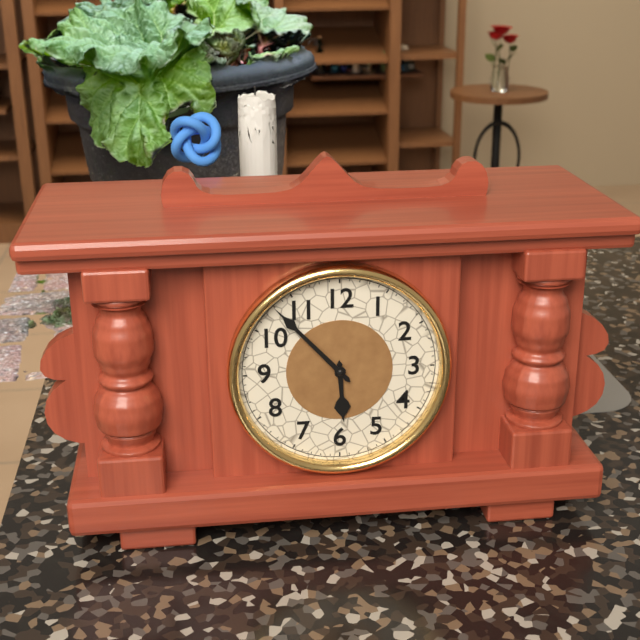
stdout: 5 h 53 min
